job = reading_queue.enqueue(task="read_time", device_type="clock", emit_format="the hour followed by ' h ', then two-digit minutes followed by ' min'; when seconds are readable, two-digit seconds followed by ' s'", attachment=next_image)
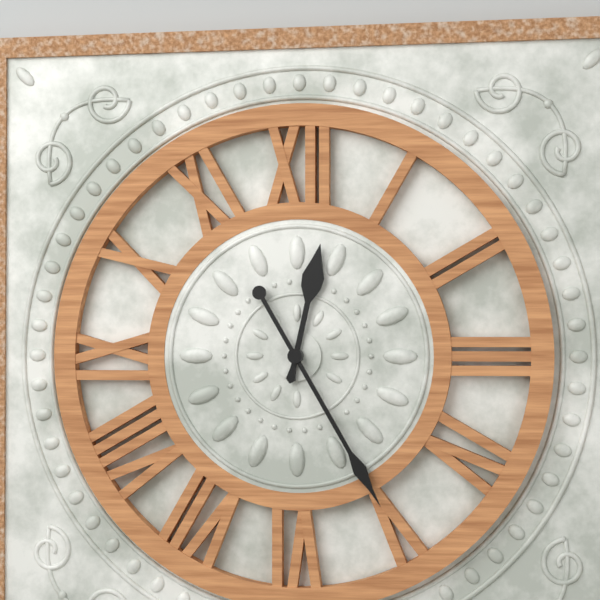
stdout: 12 h 25 min
